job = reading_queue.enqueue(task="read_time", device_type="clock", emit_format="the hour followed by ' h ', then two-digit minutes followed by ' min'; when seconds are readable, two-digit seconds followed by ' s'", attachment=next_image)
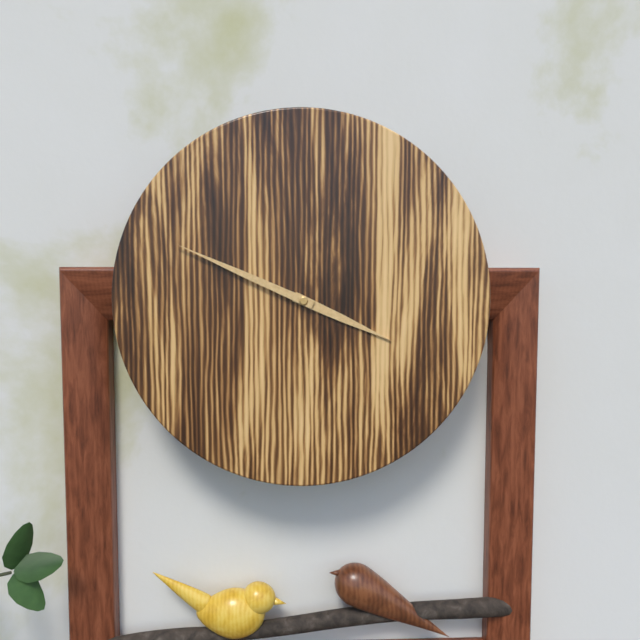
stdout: 3 h 49 min
